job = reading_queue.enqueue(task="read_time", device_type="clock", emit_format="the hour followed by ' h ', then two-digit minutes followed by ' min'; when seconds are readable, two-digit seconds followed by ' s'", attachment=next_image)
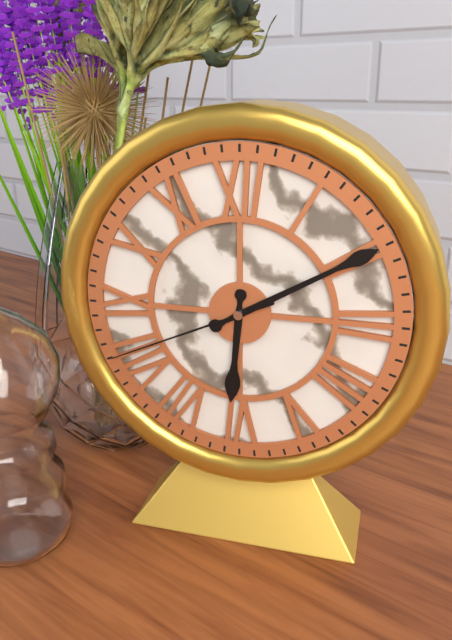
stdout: 6 h 10 min 41 s
